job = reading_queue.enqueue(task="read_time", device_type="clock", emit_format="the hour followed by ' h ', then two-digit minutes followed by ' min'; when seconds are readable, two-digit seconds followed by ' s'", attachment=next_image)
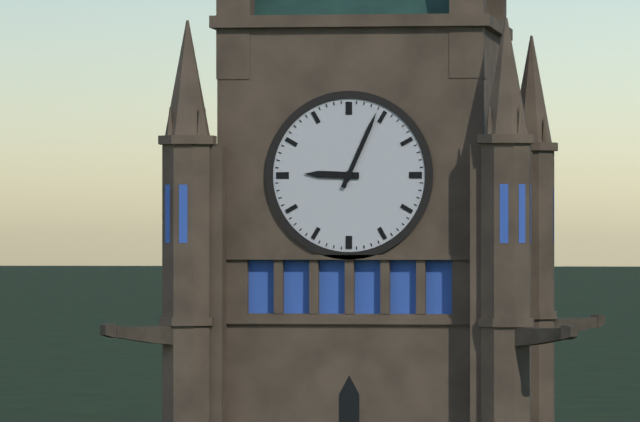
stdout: 9 h 04 min
